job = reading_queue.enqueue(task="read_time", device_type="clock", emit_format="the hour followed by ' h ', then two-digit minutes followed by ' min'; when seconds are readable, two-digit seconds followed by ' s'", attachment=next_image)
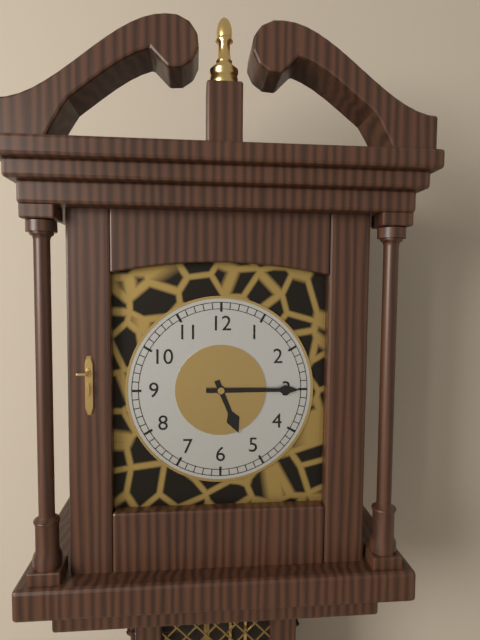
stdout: 5 h 15 min
